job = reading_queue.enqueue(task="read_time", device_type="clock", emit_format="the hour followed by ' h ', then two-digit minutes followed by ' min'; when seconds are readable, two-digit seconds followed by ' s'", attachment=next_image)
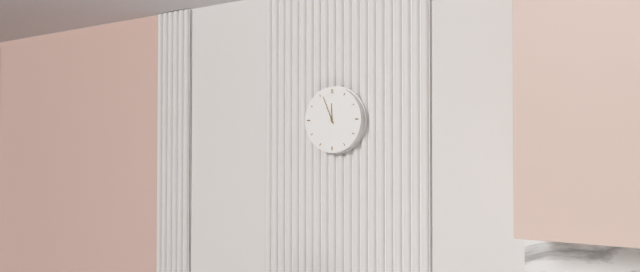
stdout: 11 h 56 min
